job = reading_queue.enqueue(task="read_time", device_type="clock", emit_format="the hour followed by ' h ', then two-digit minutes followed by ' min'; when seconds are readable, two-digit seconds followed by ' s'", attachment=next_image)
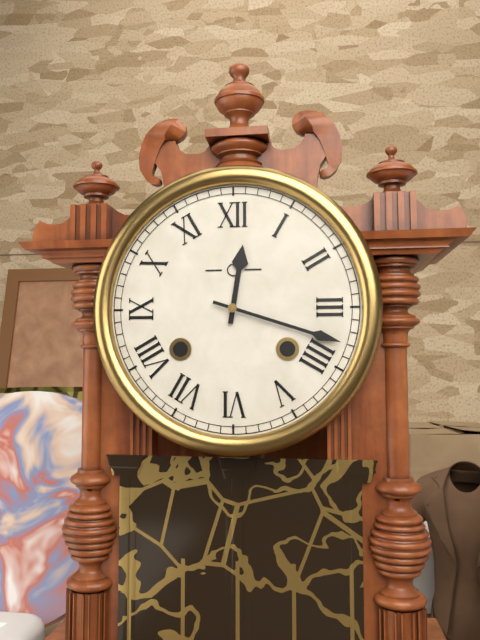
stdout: 12 h 18 min
